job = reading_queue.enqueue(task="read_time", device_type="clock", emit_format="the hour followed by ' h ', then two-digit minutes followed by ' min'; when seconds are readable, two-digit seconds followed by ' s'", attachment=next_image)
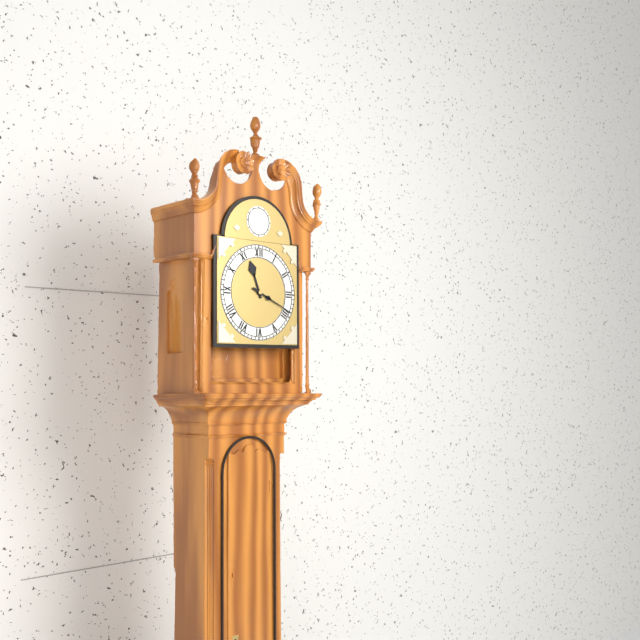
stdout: 11 h 19 min
